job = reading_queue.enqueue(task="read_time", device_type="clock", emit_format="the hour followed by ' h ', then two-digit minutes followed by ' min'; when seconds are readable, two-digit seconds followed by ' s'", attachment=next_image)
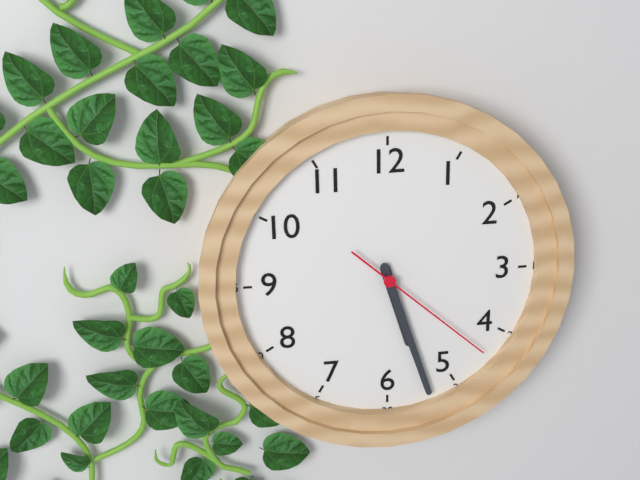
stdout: 5 h 27 min 22 s
